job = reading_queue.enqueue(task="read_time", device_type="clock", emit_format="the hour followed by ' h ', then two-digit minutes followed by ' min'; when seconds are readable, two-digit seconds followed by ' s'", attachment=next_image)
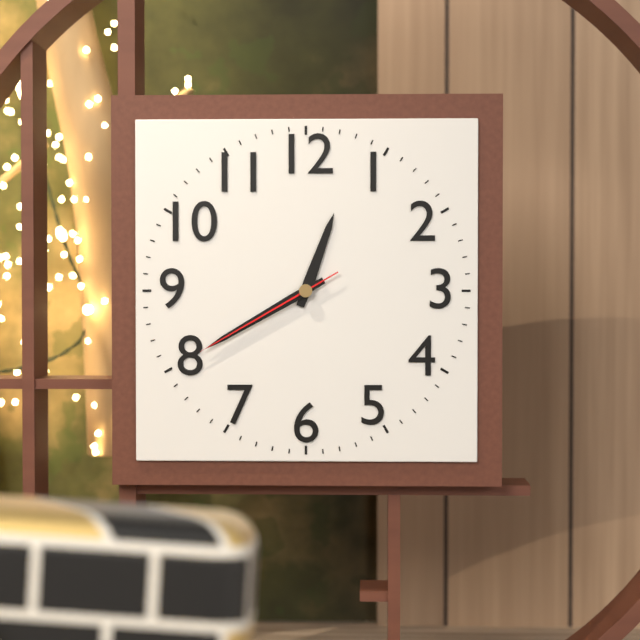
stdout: 12 h 40 min 40 s
